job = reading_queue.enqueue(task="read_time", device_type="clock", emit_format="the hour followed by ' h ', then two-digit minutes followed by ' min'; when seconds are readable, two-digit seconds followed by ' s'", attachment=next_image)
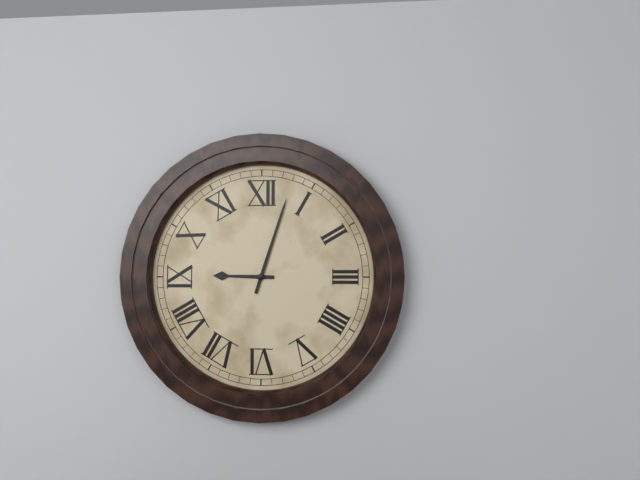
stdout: 9 h 03 min
